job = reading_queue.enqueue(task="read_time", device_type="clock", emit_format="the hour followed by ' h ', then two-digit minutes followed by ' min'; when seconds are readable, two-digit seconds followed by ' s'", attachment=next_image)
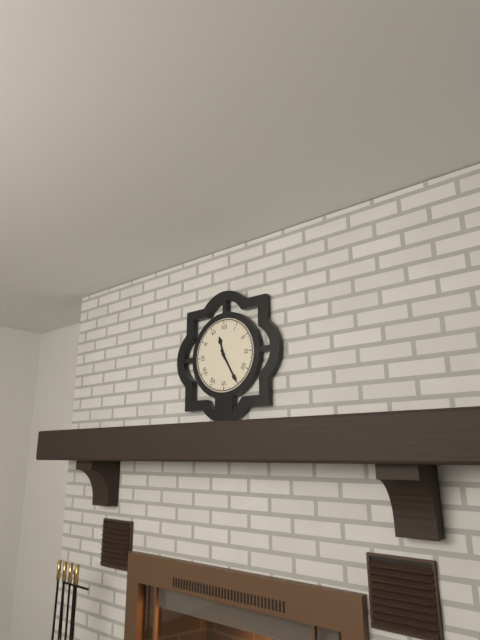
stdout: 11 h 25 min
